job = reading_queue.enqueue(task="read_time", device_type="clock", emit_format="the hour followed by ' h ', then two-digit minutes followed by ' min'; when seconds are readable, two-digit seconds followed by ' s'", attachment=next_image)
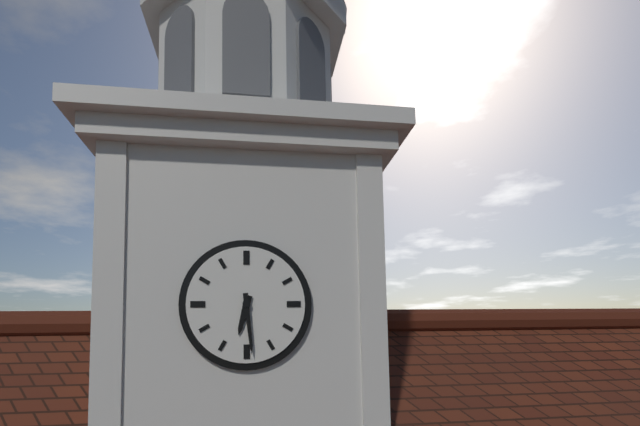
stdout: 6 h 29 min
